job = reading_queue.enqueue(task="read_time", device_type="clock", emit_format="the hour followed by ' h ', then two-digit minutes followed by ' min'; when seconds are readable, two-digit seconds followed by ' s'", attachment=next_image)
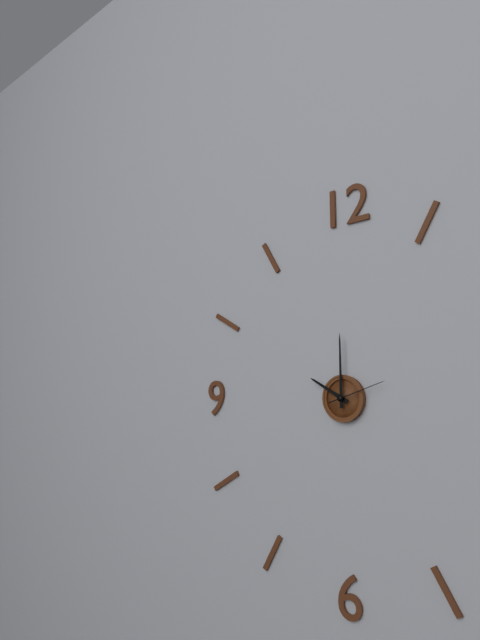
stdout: 10 h 00 min 12 s
